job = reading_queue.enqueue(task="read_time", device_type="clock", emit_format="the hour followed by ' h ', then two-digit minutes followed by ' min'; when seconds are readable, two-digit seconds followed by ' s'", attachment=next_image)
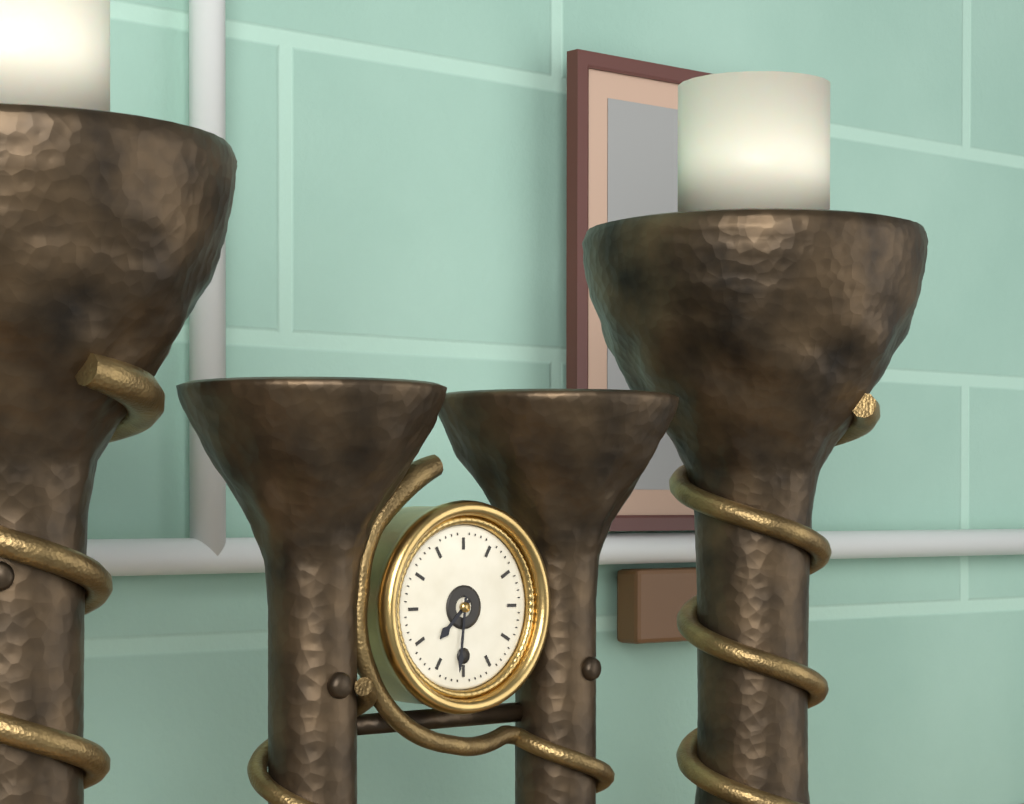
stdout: 7 h 31 min
